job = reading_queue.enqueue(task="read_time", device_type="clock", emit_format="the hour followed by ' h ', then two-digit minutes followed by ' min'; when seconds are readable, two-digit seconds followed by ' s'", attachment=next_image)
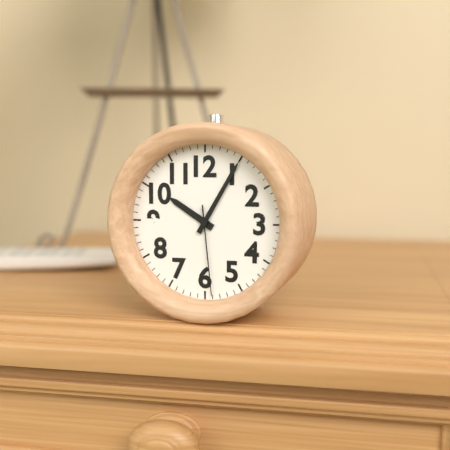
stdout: 10 h 05 min 29 s
